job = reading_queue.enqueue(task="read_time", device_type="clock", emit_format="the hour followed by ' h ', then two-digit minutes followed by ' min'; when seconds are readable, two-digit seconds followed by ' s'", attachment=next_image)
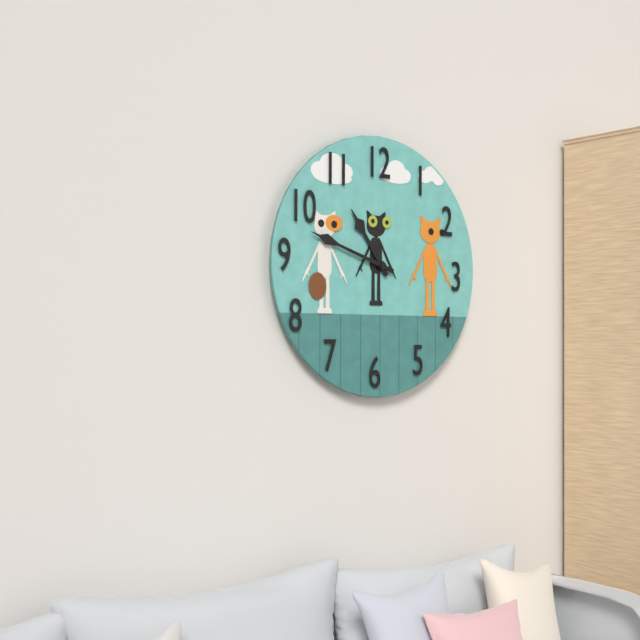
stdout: 10 h 48 min
